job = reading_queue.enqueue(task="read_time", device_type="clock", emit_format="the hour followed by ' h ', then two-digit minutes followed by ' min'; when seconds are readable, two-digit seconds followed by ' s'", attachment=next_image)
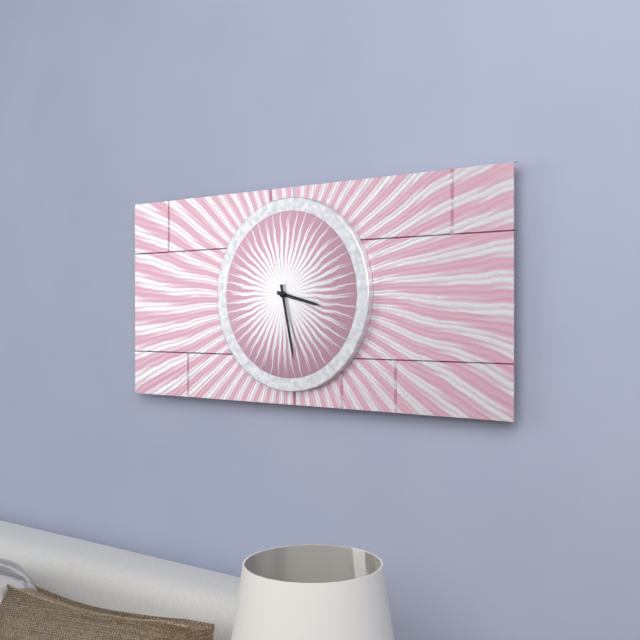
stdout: 3 h 28 min
